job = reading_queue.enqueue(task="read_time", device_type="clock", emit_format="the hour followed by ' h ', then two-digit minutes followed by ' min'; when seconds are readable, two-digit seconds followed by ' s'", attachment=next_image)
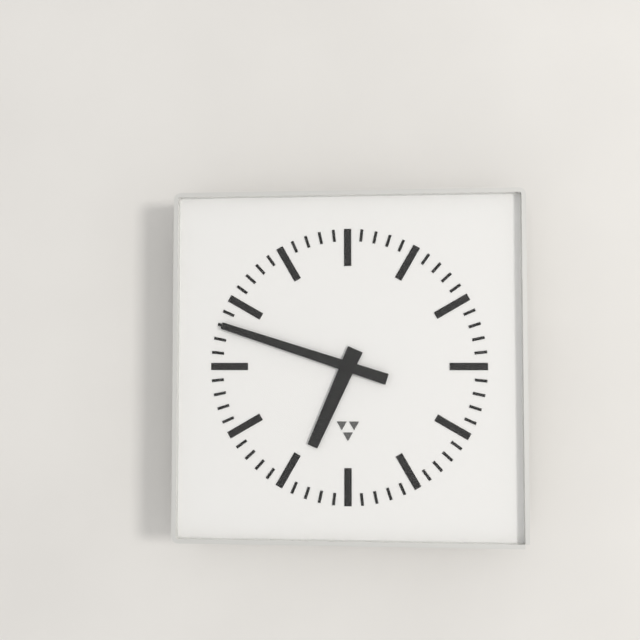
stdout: 6 h 48 min
